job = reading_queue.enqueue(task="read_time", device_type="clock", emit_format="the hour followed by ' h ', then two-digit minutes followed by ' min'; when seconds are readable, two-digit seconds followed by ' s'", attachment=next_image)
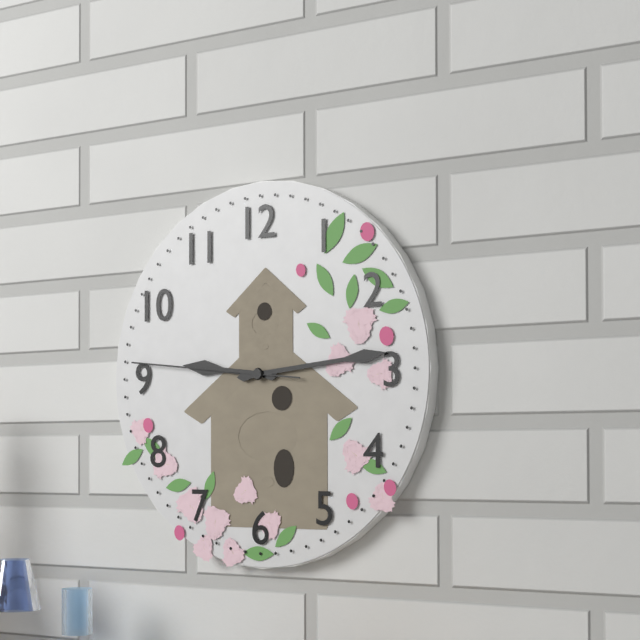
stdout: 9 h 14 min 46 s
